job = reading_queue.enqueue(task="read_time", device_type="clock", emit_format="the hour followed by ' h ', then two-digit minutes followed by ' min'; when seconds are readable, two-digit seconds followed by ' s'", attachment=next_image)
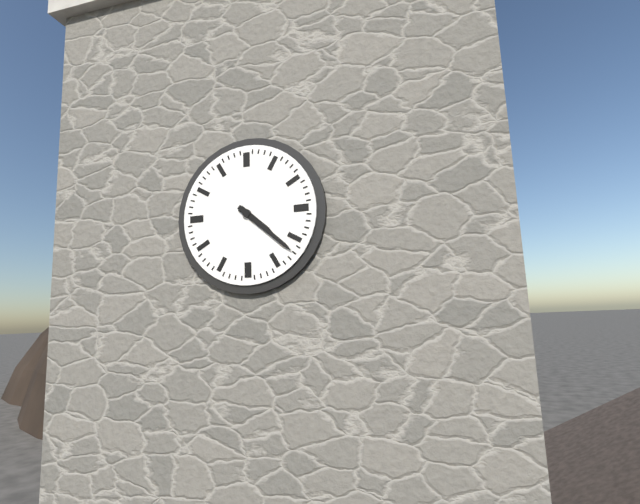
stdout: 4 h 22 min
